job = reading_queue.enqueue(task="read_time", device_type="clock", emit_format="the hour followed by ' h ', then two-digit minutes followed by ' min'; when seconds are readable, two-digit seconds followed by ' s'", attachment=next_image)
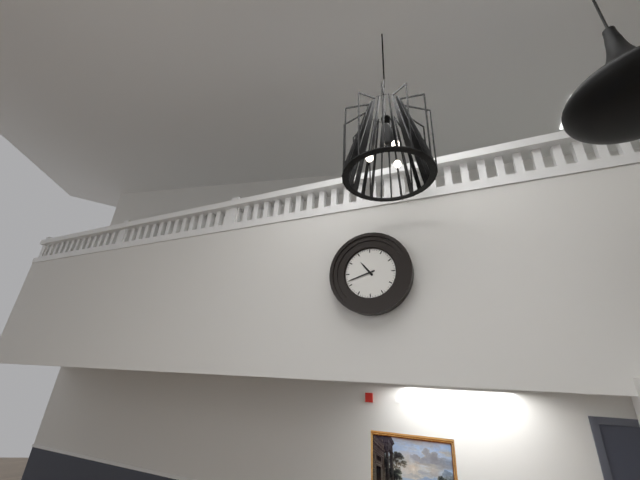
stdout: 10 h 42 min
